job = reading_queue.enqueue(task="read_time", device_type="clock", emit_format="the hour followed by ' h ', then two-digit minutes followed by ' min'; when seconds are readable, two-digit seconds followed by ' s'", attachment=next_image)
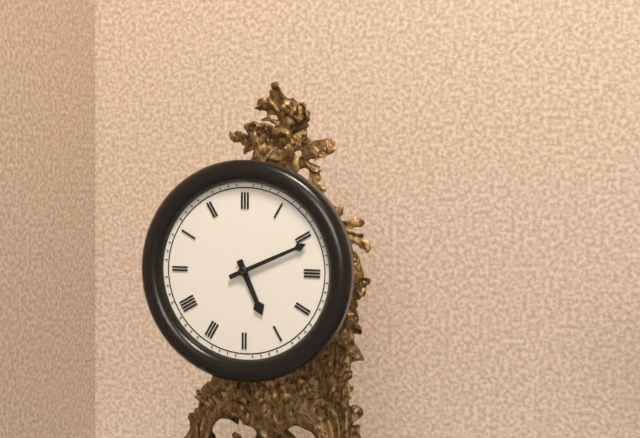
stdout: 5 h 11 min
